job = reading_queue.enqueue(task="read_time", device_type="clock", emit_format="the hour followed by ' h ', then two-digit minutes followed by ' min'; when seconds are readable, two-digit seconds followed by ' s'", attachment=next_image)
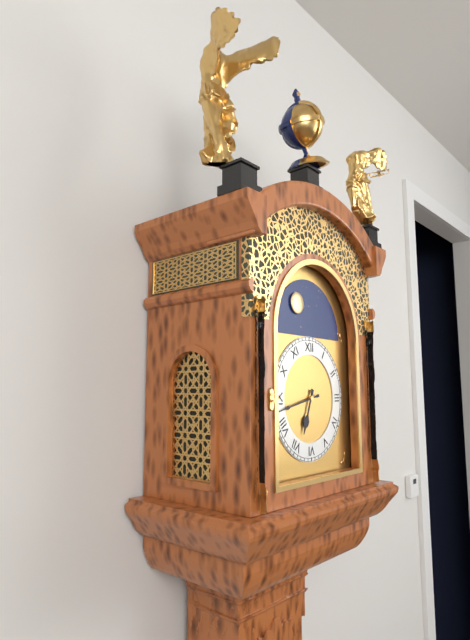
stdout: 6 h 43 min
